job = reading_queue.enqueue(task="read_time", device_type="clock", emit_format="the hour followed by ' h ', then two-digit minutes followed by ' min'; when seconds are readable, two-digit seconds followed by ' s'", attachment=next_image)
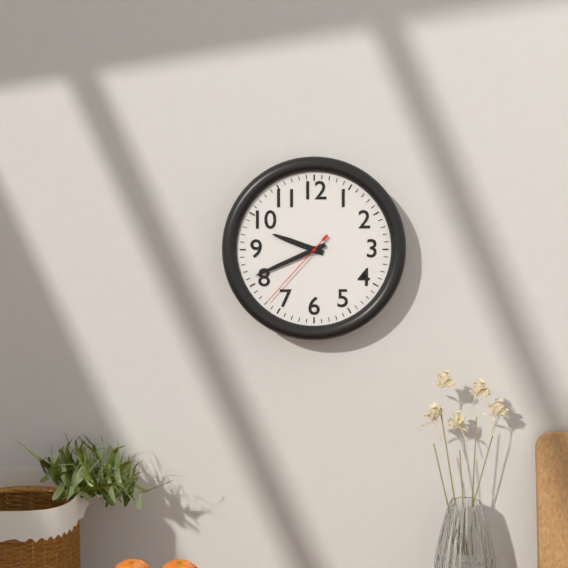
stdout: 9 h 41 min 37 s
